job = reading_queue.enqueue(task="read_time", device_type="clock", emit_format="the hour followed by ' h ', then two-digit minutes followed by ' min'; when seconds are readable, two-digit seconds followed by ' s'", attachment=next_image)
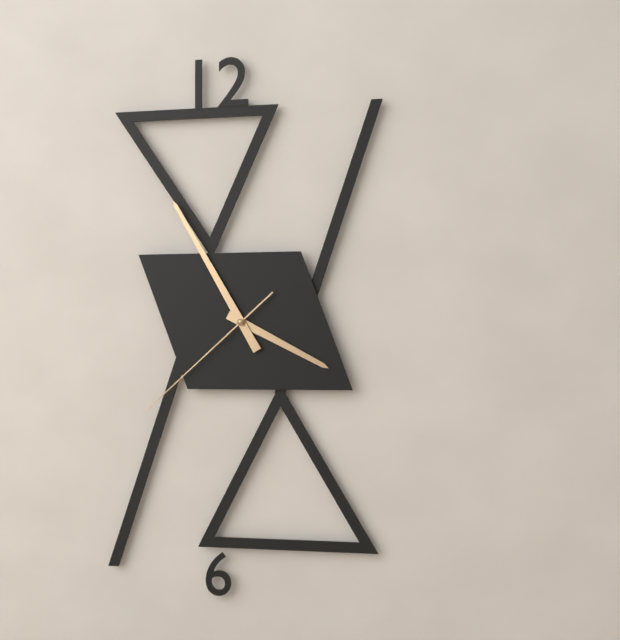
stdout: 3 h 55 min 38 s
